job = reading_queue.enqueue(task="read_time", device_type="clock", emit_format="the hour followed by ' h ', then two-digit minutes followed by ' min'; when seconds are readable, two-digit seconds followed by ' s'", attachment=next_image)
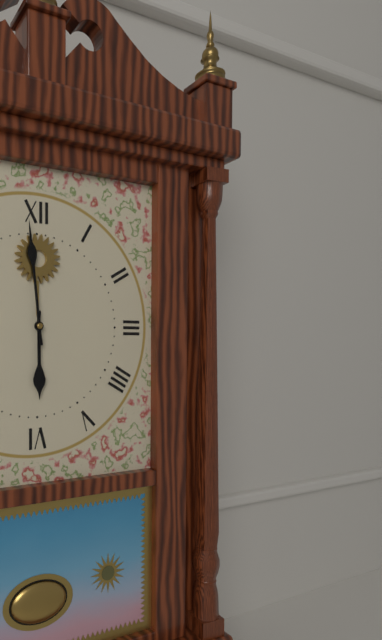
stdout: 5 h 59 min
